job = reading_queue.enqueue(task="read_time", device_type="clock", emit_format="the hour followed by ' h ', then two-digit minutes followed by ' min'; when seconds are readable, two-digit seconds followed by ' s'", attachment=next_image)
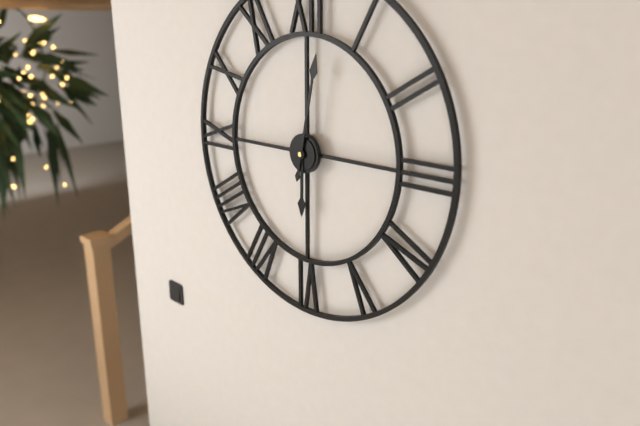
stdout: 6 h 02 min
